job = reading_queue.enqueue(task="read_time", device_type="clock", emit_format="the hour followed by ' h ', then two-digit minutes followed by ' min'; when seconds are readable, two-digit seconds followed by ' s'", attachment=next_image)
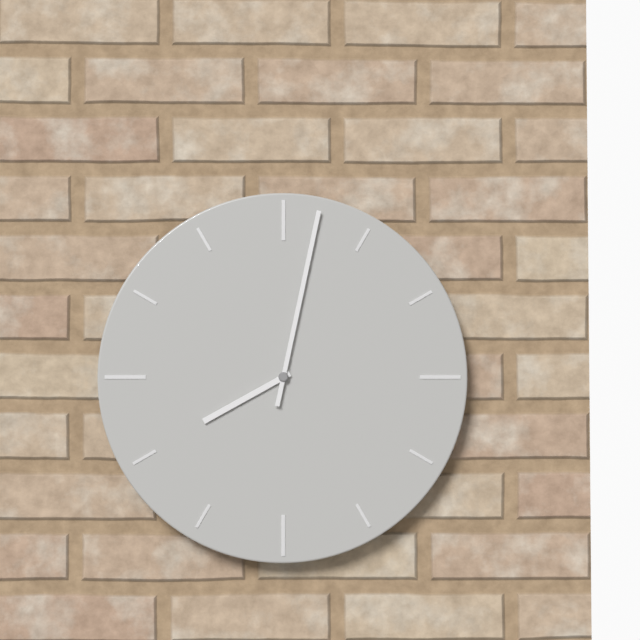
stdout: 8 h 02 min
